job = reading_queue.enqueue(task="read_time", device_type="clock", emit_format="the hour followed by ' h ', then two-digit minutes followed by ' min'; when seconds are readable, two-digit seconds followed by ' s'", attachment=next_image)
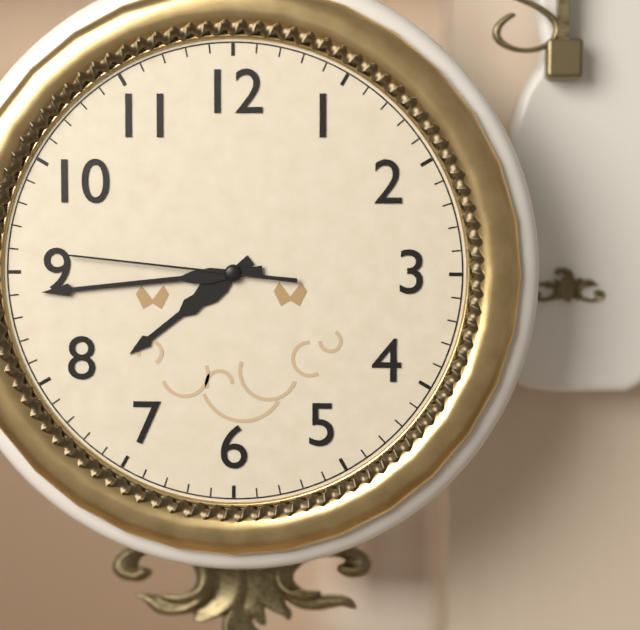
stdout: 7 h 44 min 46 s
